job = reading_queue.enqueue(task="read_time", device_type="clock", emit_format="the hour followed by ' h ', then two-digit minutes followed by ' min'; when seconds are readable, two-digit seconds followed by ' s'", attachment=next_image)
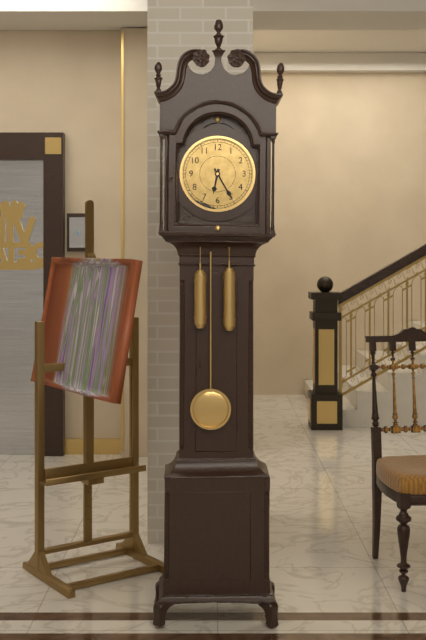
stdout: 6 h 25 min
